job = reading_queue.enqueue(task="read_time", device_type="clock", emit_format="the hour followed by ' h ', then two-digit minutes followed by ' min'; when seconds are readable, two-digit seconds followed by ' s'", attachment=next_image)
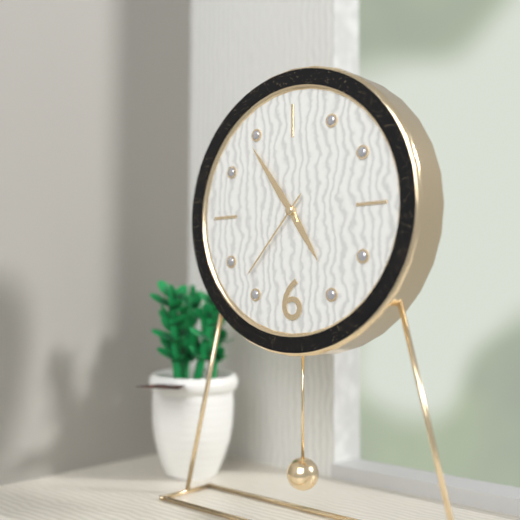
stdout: 4 h 54 min 37 s
